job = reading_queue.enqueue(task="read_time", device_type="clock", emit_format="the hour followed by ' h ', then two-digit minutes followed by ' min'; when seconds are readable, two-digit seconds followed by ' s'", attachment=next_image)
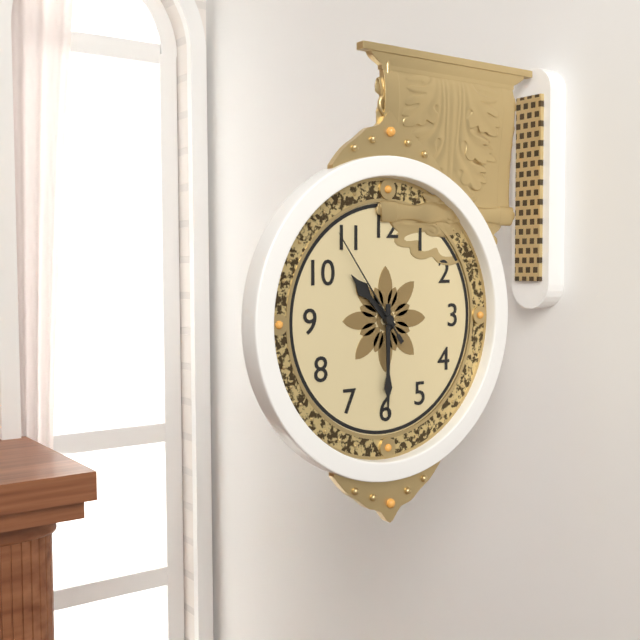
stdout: 10 h 30 min 54 s
